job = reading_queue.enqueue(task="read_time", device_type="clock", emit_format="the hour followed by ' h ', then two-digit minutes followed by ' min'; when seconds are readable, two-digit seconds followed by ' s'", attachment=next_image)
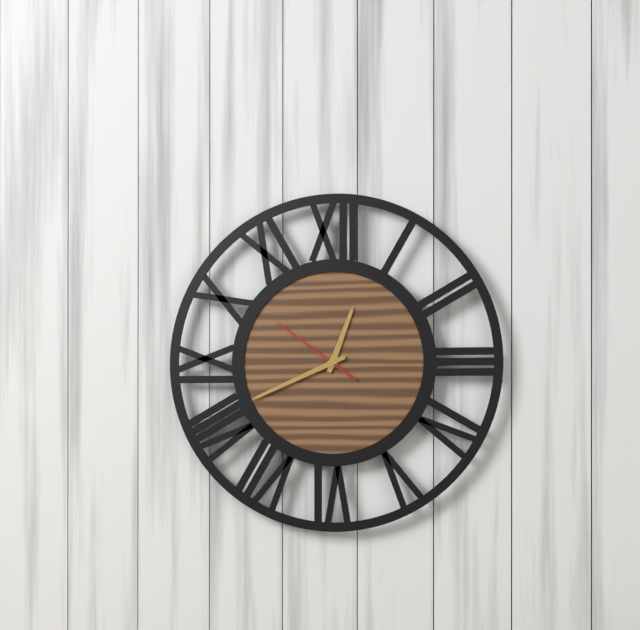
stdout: 12 h 41 min 51 s
